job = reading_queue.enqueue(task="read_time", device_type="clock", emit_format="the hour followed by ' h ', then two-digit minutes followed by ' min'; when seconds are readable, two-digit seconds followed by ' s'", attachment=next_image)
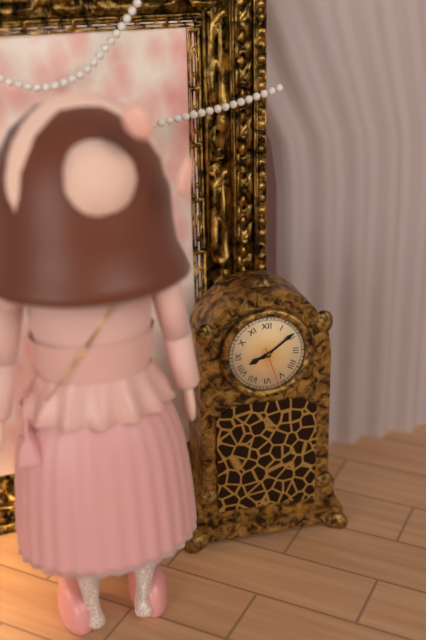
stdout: 8 h 09 min
